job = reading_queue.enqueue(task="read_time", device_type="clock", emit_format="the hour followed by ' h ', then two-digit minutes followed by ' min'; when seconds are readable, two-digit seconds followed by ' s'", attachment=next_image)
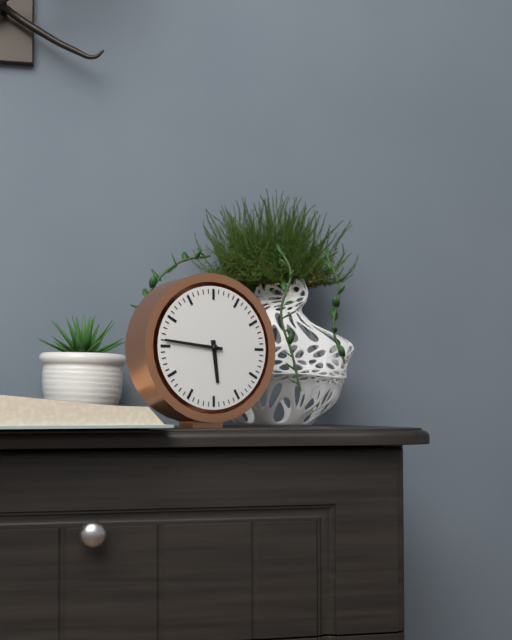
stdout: 5 h 46 min
